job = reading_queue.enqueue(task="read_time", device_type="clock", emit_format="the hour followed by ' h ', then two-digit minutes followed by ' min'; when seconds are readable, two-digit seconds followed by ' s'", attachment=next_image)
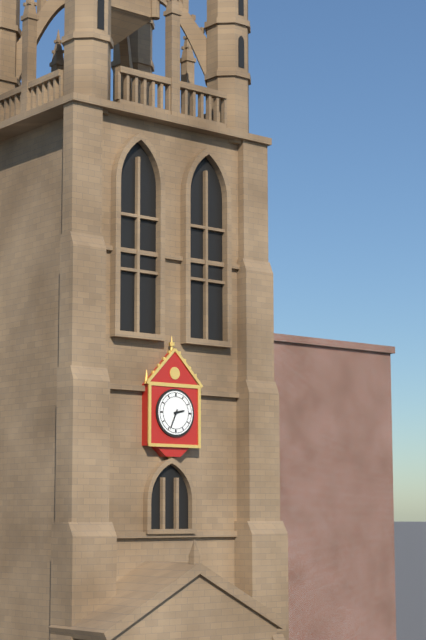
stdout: 2 h 34 min
